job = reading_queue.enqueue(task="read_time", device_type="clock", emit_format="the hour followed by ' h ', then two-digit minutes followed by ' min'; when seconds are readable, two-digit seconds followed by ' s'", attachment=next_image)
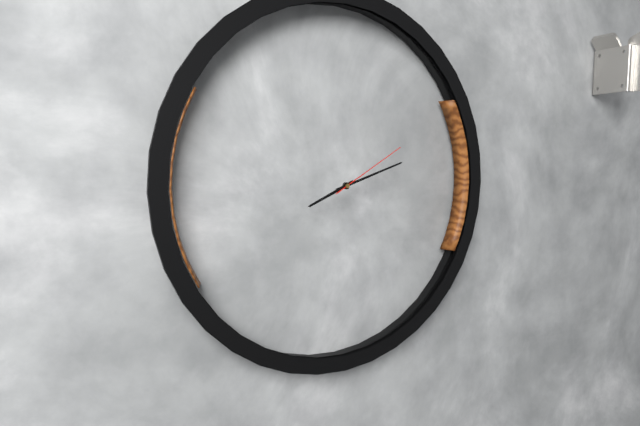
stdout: 8 h 12 min 10 s
